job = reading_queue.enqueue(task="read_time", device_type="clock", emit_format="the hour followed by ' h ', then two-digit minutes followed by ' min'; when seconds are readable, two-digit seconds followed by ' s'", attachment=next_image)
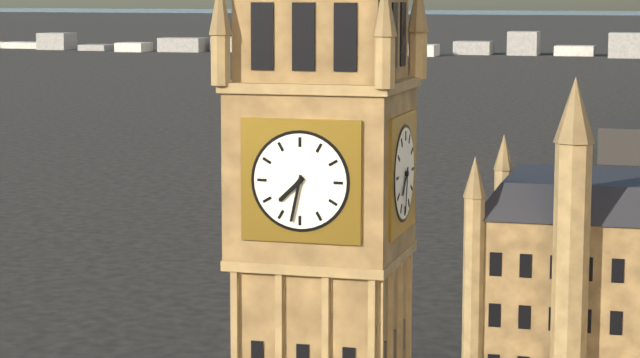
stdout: 7 h 32 min
